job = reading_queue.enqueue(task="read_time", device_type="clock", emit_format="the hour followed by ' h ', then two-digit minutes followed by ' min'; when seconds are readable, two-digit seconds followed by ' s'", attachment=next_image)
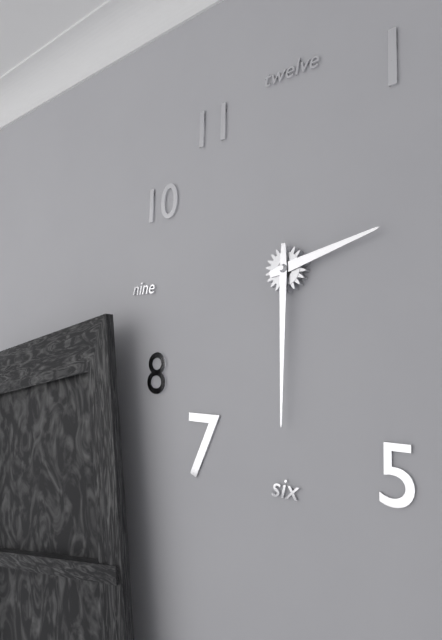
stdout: 2 h 30 min
